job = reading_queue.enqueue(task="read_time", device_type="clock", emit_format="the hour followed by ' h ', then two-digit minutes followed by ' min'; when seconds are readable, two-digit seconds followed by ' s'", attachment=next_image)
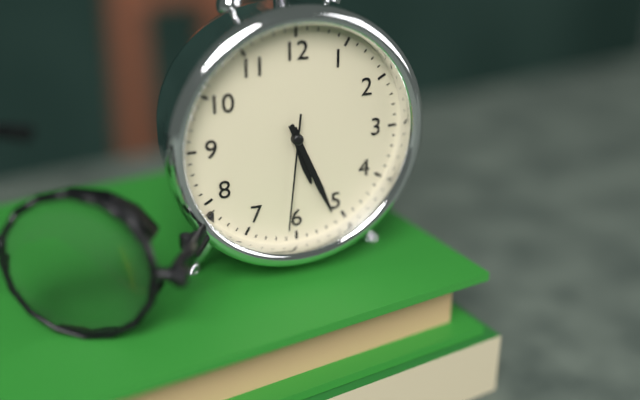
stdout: 5 h 26 min 31 s
